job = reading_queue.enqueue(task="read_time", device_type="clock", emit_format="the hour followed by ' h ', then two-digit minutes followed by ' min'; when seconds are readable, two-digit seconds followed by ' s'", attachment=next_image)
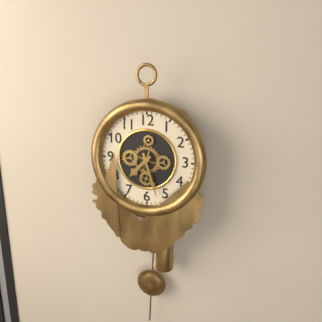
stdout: 7 h 27 min
